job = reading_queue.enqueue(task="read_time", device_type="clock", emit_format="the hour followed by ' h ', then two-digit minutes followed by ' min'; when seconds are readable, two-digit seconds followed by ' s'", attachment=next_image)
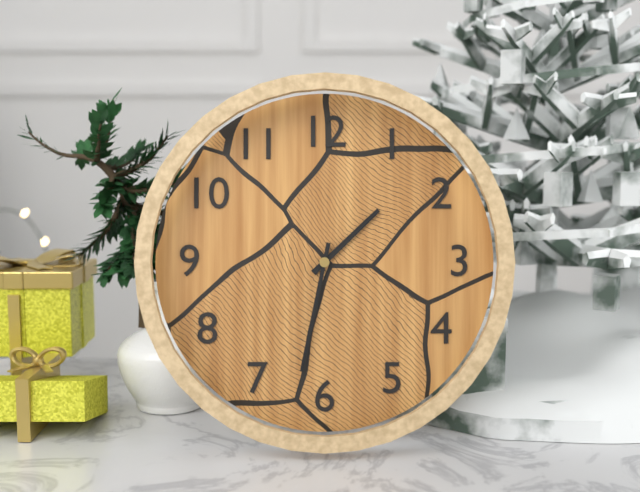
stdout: 1 h 32 min
